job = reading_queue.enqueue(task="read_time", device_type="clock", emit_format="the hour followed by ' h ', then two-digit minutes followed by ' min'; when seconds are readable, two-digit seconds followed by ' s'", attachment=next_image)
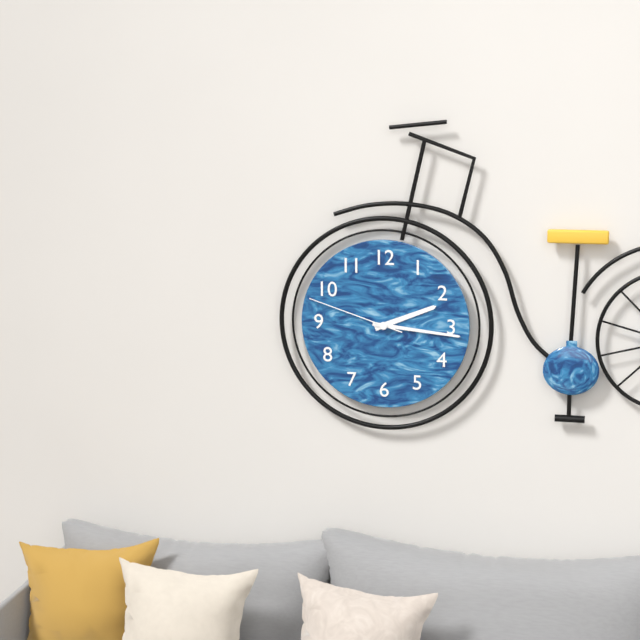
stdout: 2 h 16 min 48 s
